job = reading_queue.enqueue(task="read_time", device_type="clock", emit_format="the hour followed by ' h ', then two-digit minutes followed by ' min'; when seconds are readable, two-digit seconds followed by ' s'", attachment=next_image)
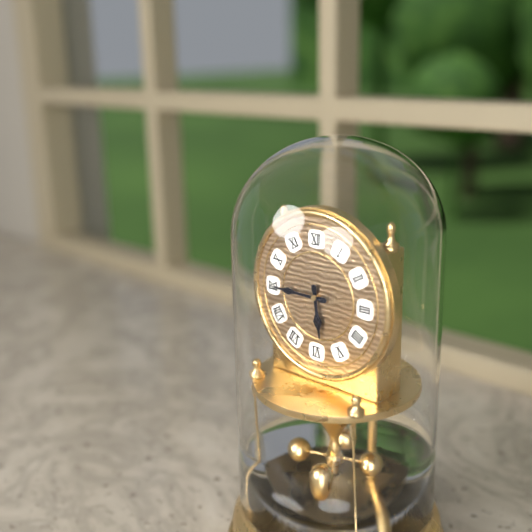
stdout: 5 h 45 min
